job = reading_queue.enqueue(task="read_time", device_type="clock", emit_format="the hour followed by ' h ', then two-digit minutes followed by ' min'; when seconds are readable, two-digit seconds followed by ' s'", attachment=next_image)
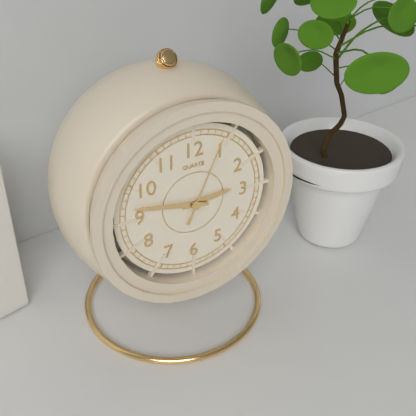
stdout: 2 h 47 min 04 s
